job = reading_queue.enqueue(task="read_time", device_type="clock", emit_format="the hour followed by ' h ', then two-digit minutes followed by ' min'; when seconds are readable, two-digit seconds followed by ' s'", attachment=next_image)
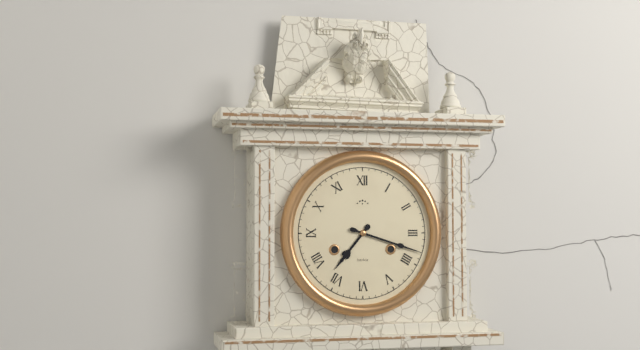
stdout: 7 h 18 min
